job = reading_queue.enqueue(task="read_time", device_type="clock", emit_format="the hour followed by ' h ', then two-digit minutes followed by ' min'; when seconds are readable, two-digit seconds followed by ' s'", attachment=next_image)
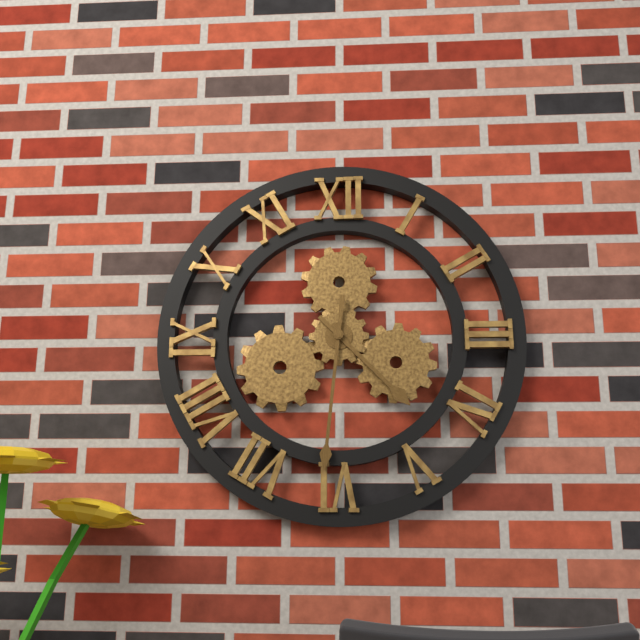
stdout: 4 h 31 min
